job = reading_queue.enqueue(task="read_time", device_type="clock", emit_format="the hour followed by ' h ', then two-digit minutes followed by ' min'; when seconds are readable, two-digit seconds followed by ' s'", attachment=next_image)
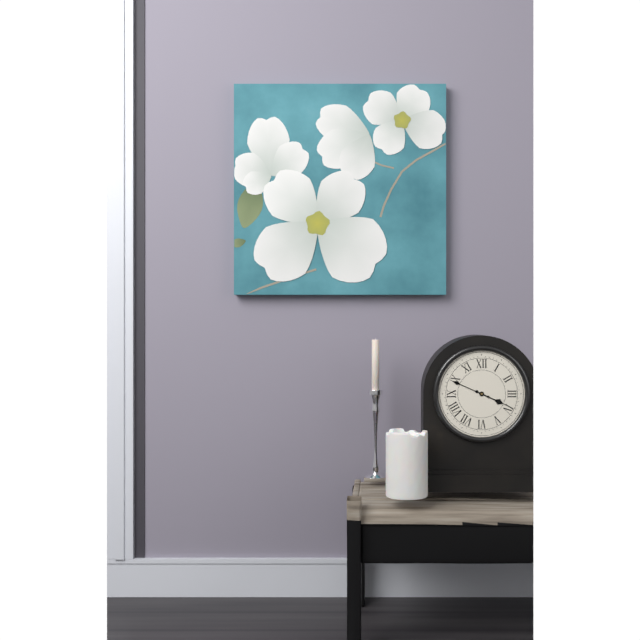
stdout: 3 h 49 min
